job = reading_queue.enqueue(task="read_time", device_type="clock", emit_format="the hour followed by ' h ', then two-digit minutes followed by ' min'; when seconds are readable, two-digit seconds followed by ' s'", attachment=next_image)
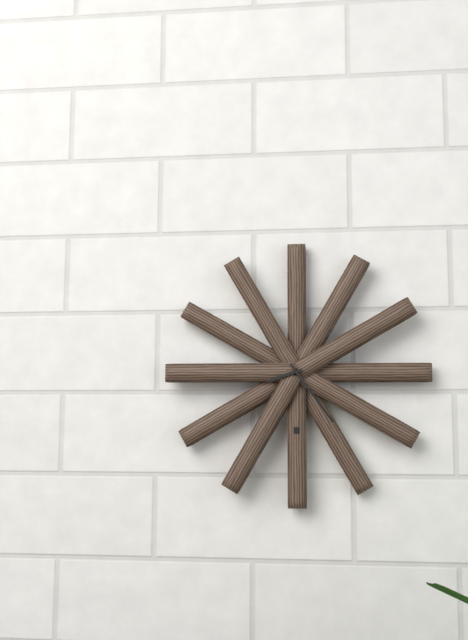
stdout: 8 h 24 min
